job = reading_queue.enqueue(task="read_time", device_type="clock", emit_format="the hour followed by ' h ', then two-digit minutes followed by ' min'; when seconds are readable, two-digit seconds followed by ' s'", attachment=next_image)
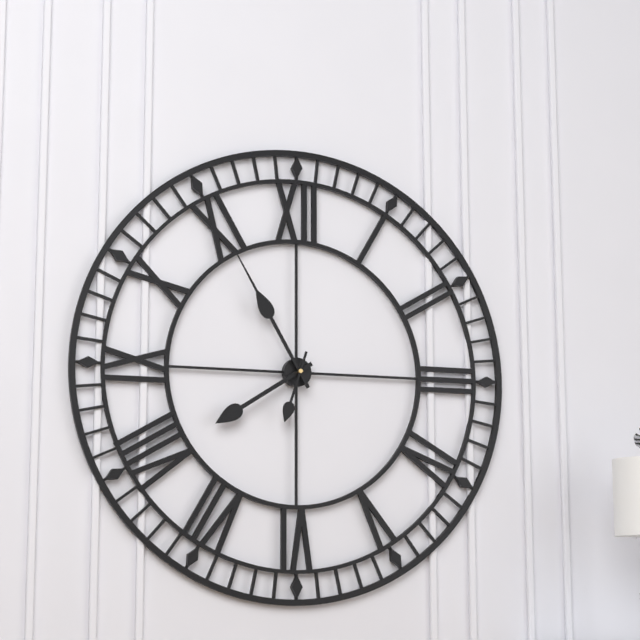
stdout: 7 h 55 min 33 s
